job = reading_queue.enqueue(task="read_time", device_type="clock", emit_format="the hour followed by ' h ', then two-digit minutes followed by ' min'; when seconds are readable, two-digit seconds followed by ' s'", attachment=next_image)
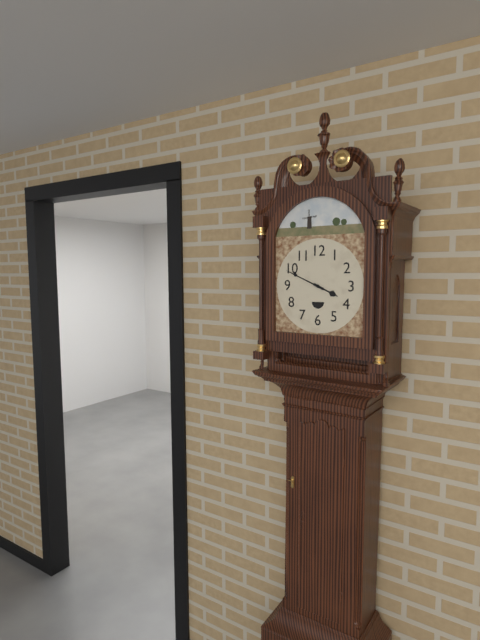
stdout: 3 h 49 min
